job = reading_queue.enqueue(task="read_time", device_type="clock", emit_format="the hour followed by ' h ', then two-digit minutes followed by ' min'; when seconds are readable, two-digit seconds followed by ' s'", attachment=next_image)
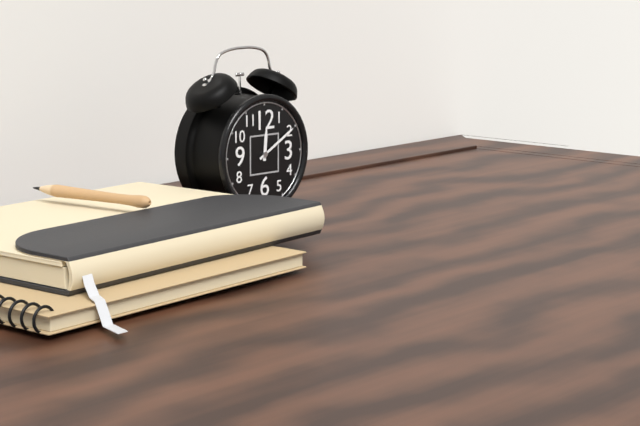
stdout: 12 h 10 min
